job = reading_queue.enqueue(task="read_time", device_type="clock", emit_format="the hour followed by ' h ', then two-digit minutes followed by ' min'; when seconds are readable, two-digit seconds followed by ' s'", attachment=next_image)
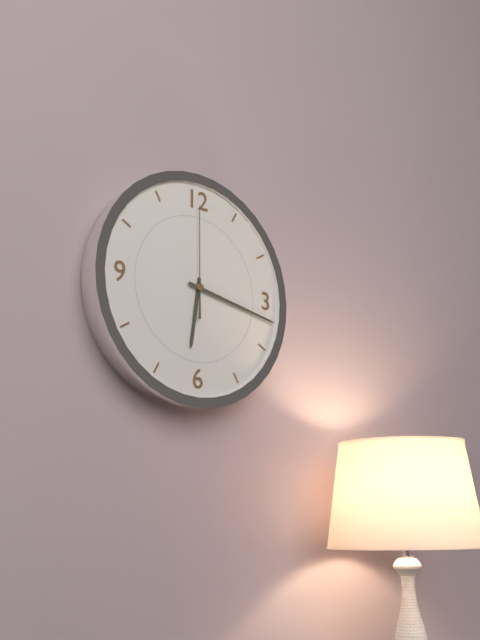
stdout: 6 h 17 min 00 s
